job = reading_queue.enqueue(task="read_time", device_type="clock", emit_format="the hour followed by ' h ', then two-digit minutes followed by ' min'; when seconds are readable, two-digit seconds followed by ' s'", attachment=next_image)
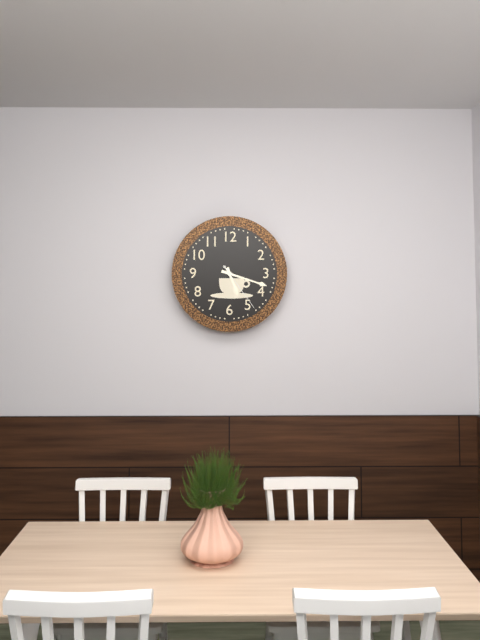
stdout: 5 h 18 min 24 s
